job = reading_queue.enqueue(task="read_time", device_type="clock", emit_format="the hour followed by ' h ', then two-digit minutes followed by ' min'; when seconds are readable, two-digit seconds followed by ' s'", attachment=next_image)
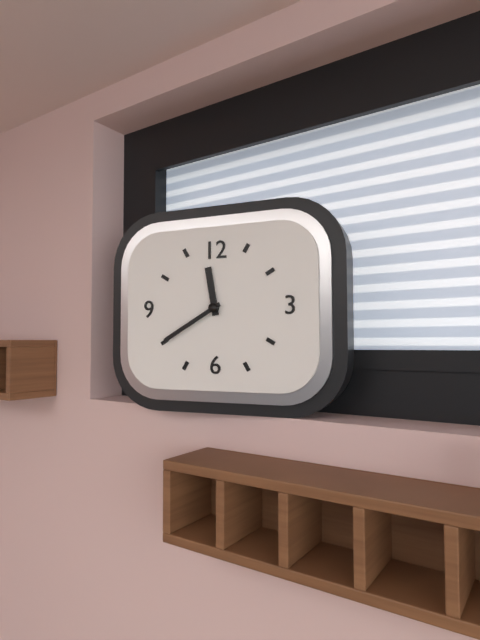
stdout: 11 h 40 min
